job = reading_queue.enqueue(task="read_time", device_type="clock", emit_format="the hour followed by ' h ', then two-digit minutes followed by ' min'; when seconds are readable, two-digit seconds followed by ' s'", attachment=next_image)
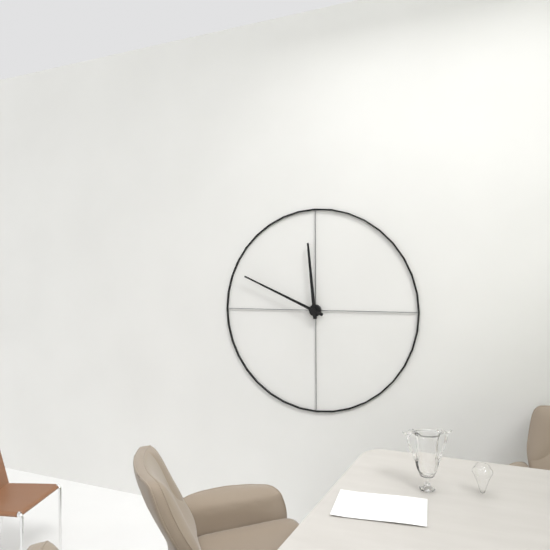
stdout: 11 h 49 min
